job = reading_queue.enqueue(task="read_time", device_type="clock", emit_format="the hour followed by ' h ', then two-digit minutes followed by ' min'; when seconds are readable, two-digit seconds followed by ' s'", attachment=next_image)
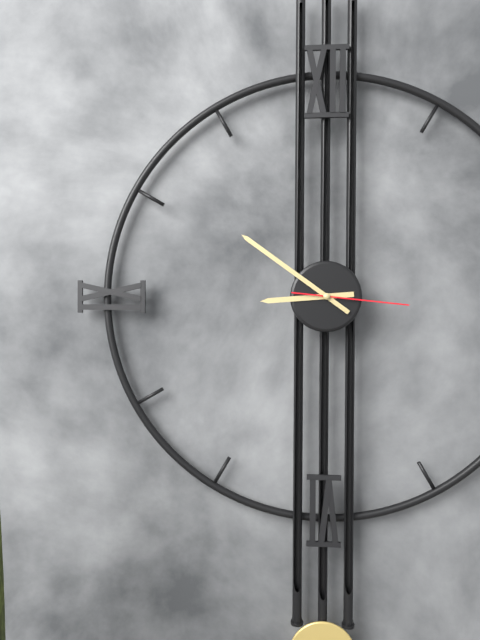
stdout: 8 h 51 min 16 s
